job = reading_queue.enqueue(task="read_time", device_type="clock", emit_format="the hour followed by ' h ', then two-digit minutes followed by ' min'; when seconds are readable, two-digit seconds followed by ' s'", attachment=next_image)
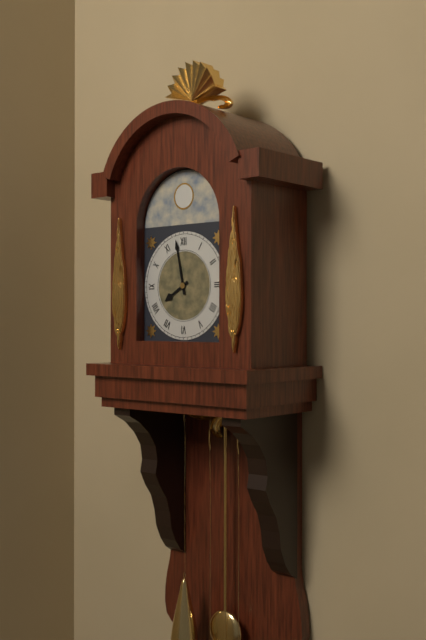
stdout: 7 h 58 min
